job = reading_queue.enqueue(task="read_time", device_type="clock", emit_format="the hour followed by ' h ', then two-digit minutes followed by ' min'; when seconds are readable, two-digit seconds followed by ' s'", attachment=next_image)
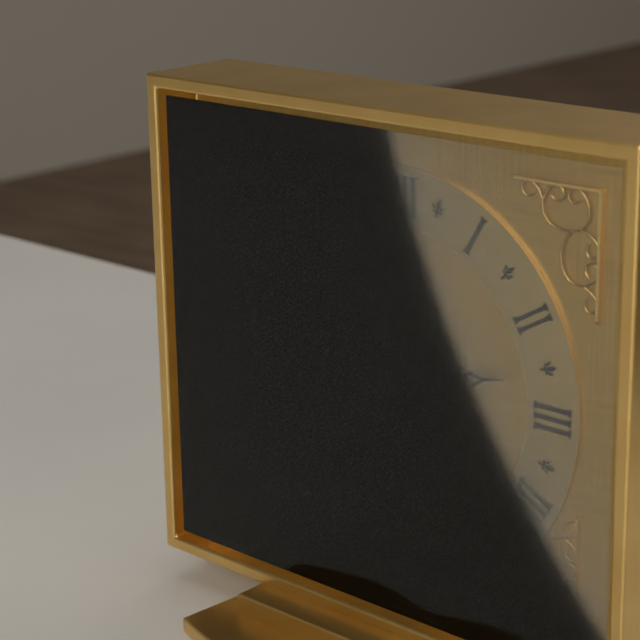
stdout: 8 h 13 min
